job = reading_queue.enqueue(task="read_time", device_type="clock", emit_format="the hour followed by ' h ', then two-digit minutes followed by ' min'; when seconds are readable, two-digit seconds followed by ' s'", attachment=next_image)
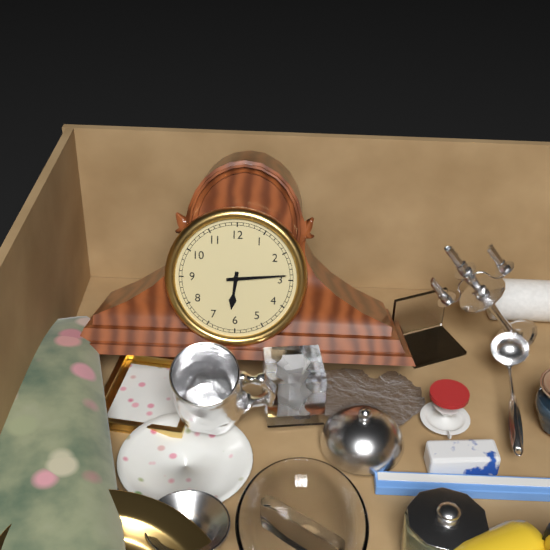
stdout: 6 h 14 min
